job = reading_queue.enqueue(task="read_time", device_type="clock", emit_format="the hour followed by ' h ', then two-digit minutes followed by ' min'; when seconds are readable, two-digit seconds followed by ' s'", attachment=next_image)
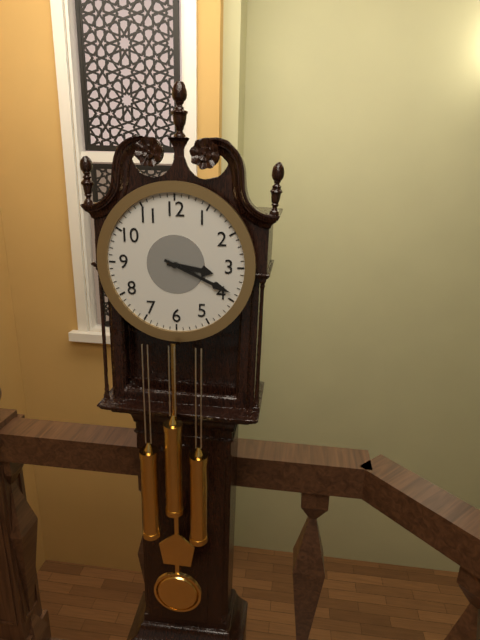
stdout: 3 h 19 min
